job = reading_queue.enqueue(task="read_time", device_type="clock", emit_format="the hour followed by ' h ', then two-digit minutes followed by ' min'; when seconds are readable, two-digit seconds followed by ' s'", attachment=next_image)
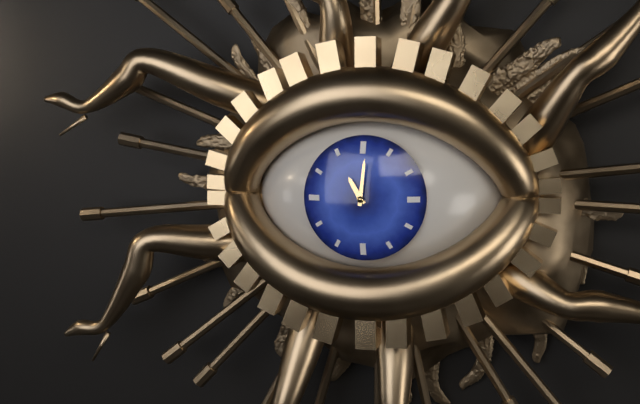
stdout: 11 h 01 min
